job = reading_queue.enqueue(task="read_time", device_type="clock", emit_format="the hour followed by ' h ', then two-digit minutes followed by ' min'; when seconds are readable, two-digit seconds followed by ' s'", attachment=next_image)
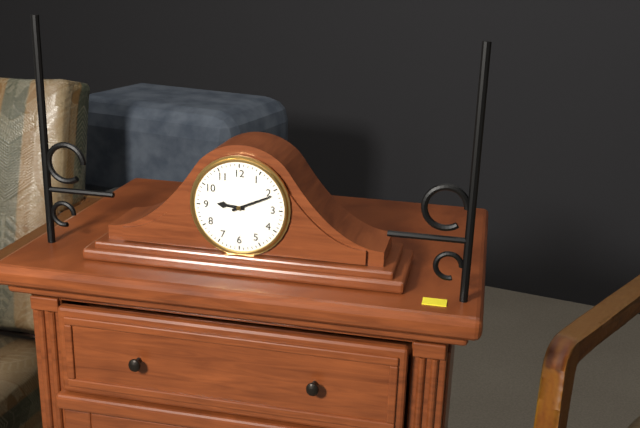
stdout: 9 h 11 min
